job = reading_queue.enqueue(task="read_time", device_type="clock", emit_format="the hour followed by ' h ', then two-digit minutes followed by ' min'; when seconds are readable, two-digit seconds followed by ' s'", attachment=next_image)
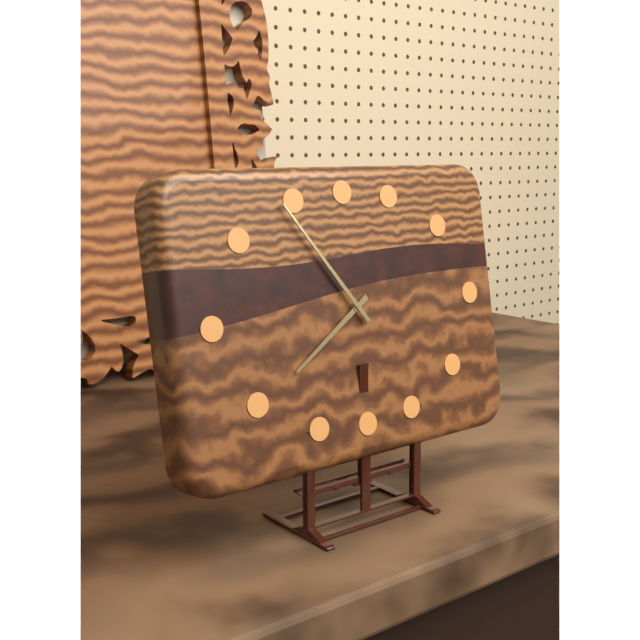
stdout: 7 h 54 min
